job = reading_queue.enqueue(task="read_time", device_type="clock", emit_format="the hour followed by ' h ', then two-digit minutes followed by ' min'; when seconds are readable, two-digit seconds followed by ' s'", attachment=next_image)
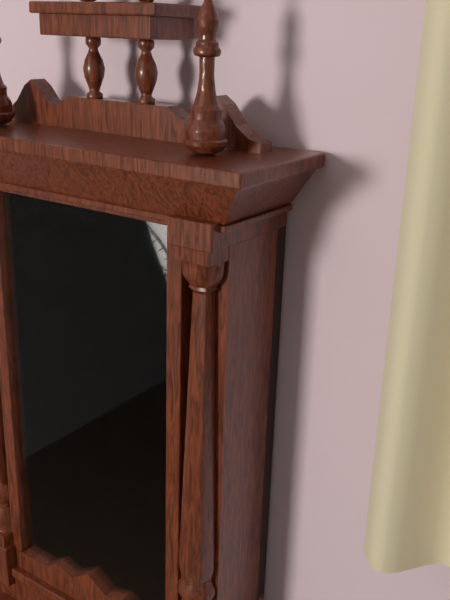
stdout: 6 h 51 min
